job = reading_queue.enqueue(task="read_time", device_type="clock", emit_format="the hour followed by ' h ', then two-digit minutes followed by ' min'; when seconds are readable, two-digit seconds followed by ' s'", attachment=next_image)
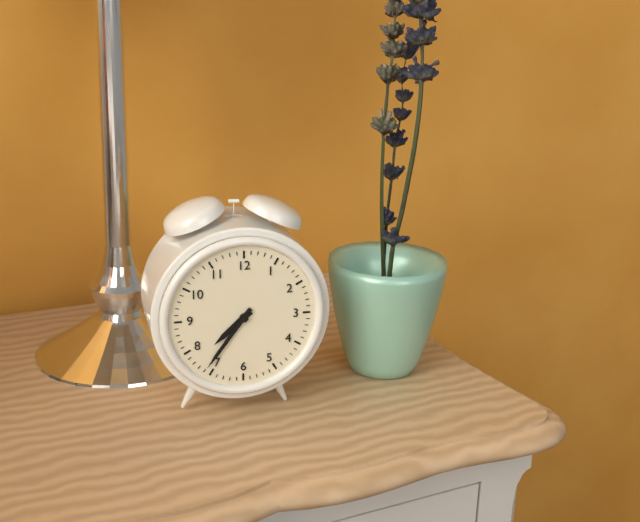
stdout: 7 h 36 min
